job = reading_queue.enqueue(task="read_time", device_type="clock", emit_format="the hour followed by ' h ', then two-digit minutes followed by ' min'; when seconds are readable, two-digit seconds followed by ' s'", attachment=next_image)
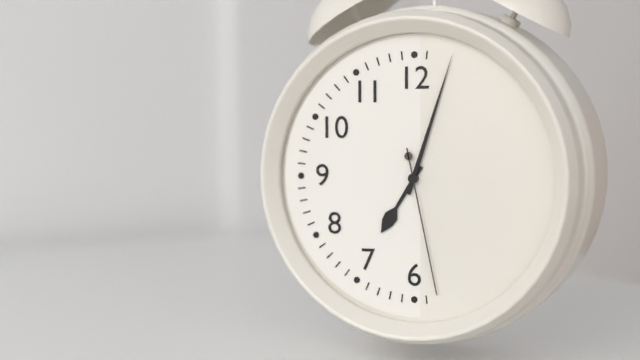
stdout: 7 h 03 min 28 s
